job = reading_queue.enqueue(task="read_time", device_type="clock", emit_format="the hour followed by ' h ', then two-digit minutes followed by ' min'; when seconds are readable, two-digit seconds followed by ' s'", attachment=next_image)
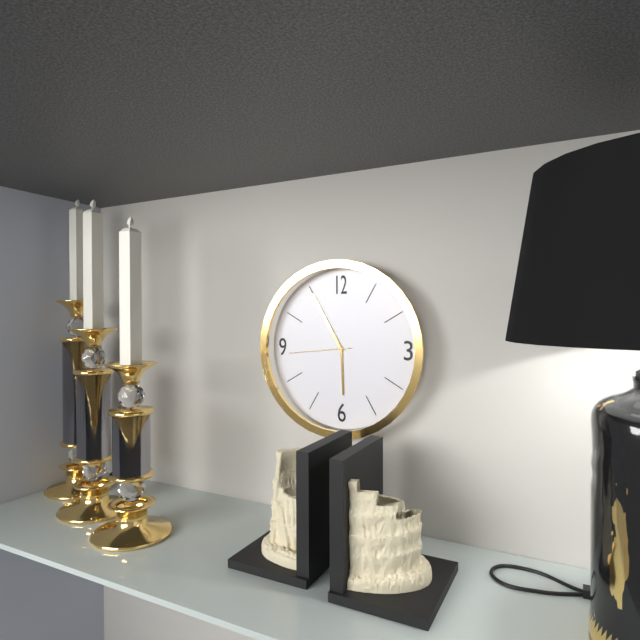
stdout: 5 h 55 min 44 s
